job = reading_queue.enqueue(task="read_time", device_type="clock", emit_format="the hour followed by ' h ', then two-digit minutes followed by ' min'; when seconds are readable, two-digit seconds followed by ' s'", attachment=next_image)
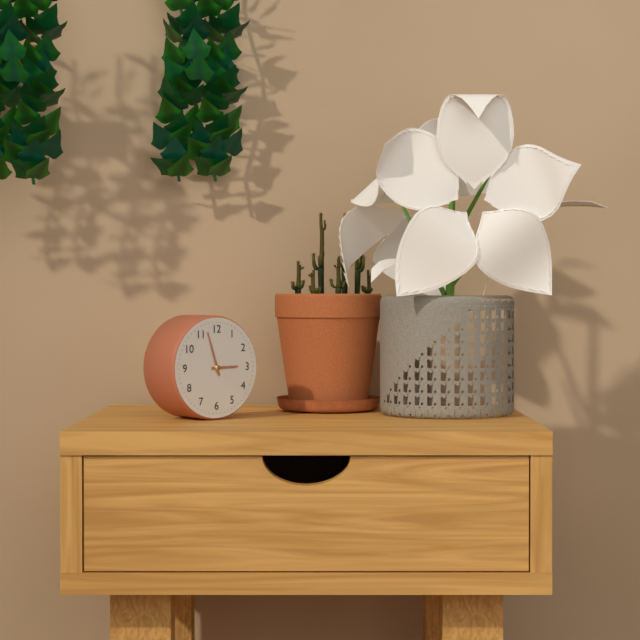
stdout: 2 h 57 min
